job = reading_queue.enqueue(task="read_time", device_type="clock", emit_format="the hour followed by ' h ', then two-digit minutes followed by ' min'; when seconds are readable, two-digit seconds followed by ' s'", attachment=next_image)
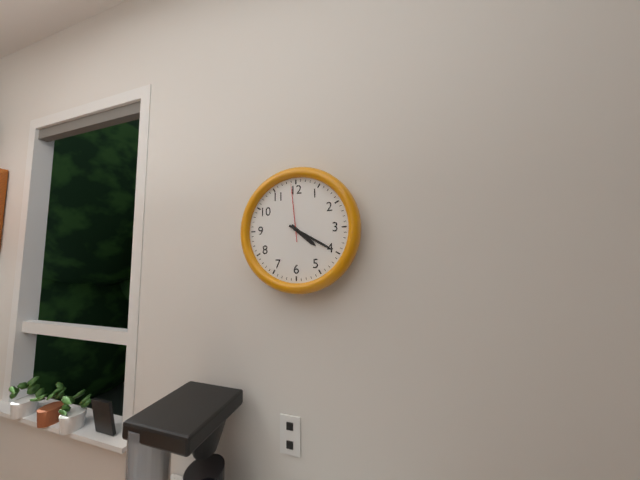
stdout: 4 h 20 min 59 s
